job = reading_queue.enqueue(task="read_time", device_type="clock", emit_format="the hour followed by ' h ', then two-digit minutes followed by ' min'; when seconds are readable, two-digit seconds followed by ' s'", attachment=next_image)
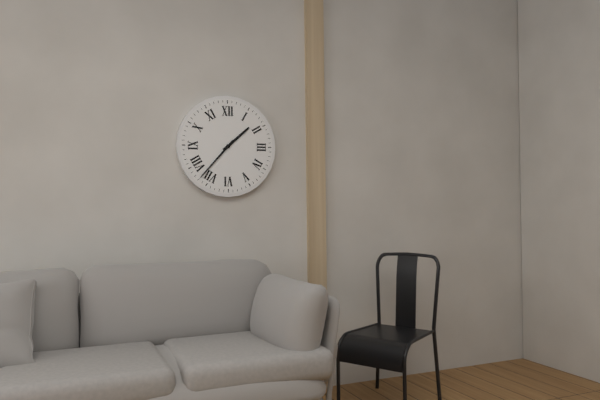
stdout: 1 h 37 min
